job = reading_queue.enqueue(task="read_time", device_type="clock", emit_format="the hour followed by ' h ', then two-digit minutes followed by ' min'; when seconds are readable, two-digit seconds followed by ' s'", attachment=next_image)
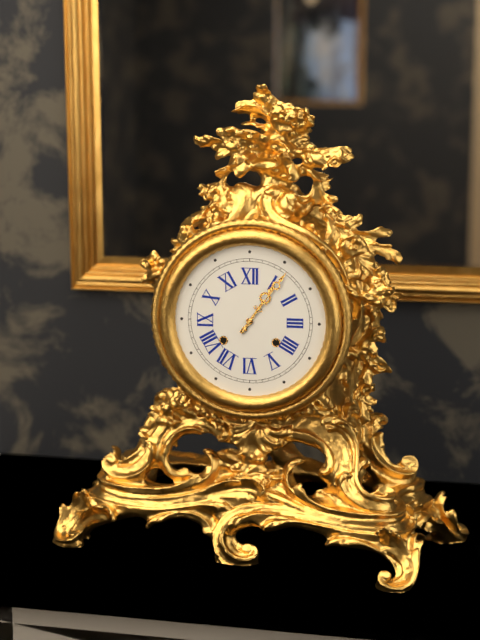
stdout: 1 h 06 min
